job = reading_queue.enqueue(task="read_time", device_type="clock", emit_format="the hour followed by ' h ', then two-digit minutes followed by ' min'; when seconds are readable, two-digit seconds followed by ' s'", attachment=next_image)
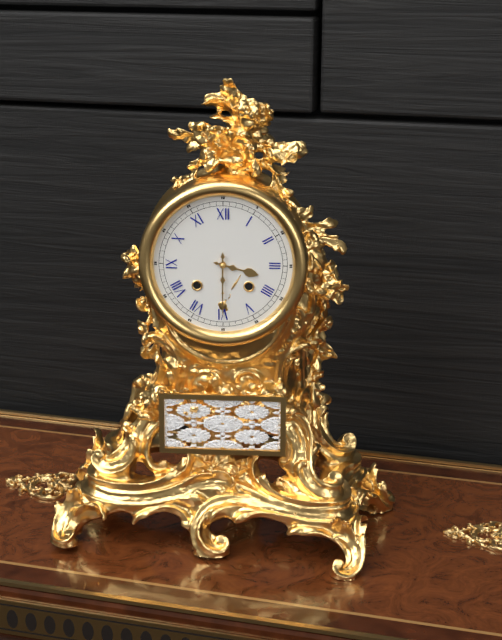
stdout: 3 h 30 min
